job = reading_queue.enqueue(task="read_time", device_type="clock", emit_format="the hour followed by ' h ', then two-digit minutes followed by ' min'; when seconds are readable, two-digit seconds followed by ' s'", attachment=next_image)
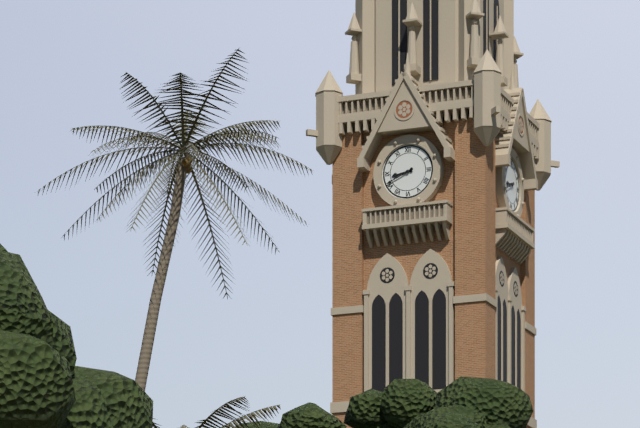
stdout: 8 h 41 min
